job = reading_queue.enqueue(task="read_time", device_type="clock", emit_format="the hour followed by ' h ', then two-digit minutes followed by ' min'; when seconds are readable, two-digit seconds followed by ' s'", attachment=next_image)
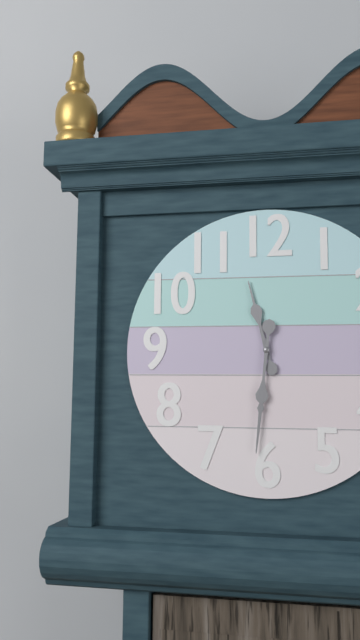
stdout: 11 h 31 min
